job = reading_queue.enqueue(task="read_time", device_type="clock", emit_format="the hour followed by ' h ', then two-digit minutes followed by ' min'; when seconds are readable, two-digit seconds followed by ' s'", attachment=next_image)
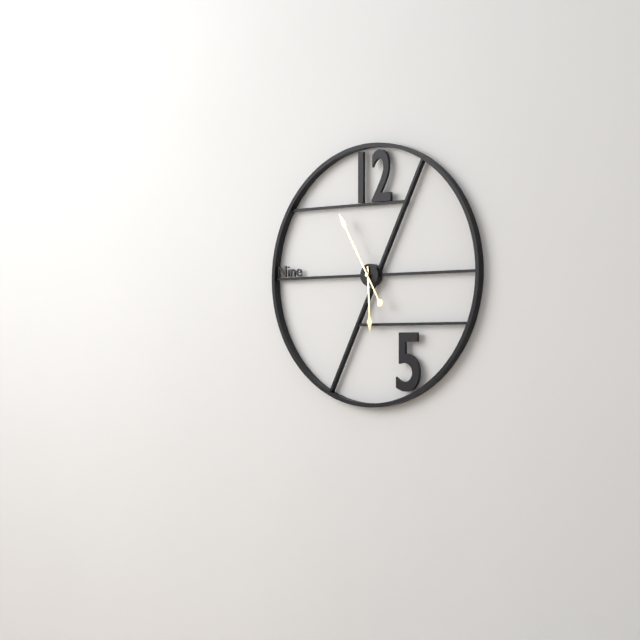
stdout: 5 h 55 min
